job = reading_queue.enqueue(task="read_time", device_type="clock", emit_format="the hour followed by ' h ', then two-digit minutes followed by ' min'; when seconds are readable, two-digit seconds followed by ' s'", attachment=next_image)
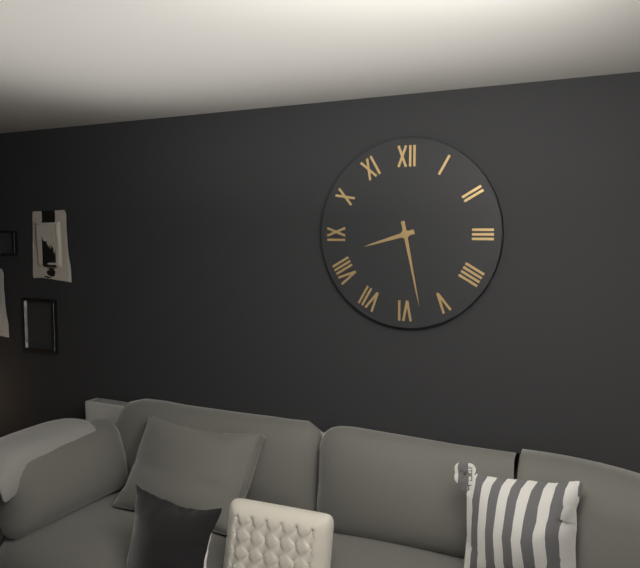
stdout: 8 h 28 min
